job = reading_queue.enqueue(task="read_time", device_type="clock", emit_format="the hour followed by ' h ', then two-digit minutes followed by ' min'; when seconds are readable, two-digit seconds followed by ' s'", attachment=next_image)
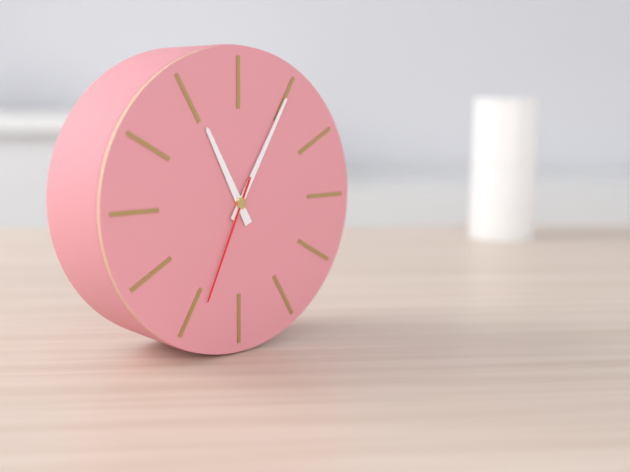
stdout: 11 h 05 min 34 s
